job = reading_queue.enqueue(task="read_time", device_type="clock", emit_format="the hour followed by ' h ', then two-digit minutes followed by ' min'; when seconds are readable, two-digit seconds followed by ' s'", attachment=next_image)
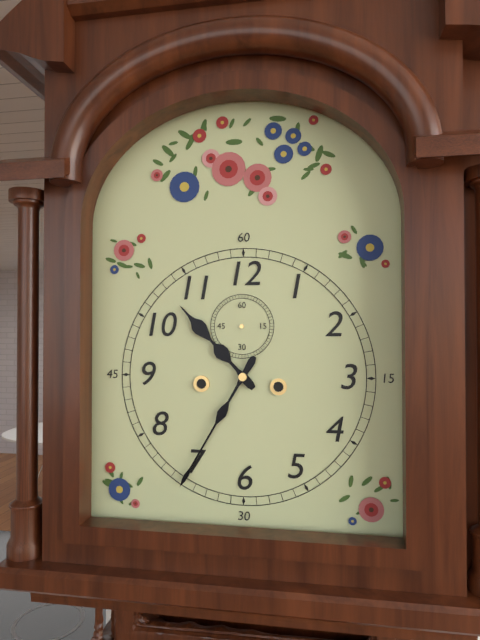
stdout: 10 h 35 min
